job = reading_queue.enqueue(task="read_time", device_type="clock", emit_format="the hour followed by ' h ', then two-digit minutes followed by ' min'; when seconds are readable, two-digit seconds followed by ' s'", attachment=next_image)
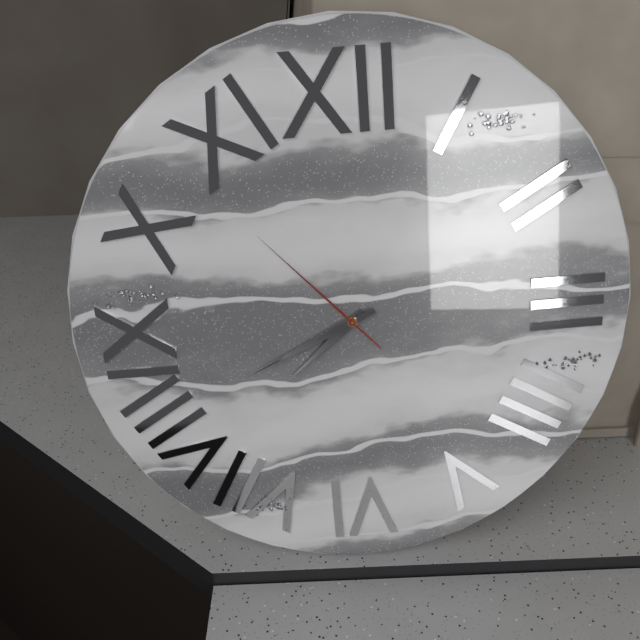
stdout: 7 h 41 min 53 s
